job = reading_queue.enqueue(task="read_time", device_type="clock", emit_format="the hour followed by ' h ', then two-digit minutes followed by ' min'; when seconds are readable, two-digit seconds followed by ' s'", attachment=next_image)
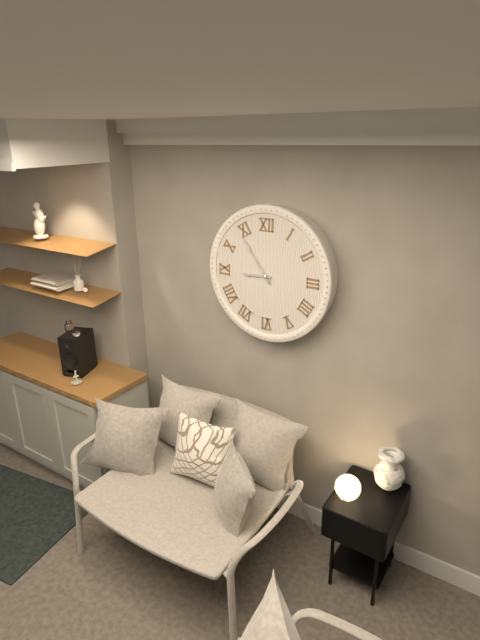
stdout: 8 h 54 min
